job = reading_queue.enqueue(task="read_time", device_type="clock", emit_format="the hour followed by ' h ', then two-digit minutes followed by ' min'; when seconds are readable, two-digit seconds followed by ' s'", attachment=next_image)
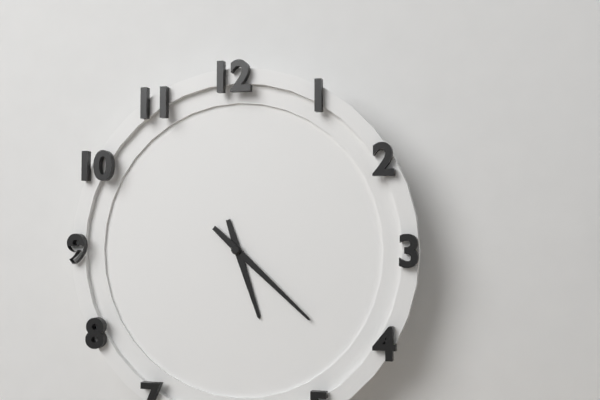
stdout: 5 h 22 min
